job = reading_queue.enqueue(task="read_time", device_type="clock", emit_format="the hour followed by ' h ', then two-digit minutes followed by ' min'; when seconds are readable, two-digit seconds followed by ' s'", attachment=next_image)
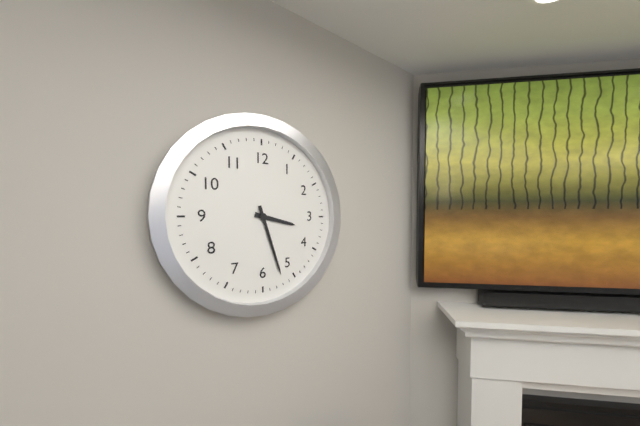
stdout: 3 h 27 min
